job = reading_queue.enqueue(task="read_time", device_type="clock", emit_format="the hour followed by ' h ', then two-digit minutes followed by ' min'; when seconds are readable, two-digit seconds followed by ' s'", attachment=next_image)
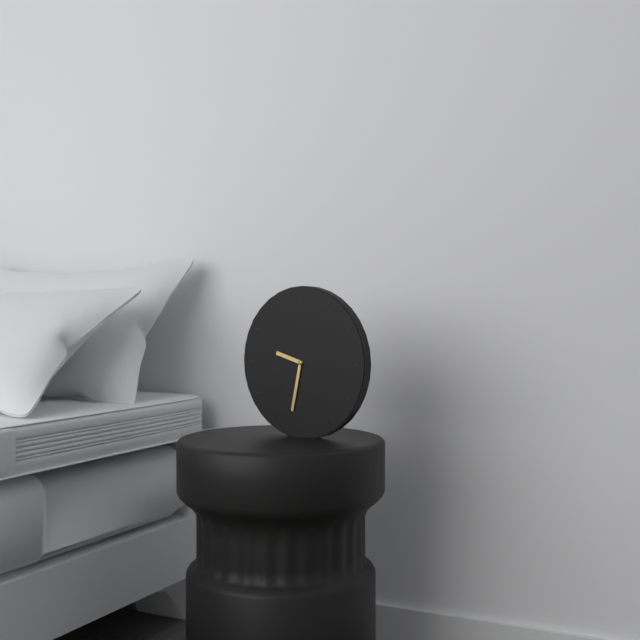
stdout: 9 h 32 min
